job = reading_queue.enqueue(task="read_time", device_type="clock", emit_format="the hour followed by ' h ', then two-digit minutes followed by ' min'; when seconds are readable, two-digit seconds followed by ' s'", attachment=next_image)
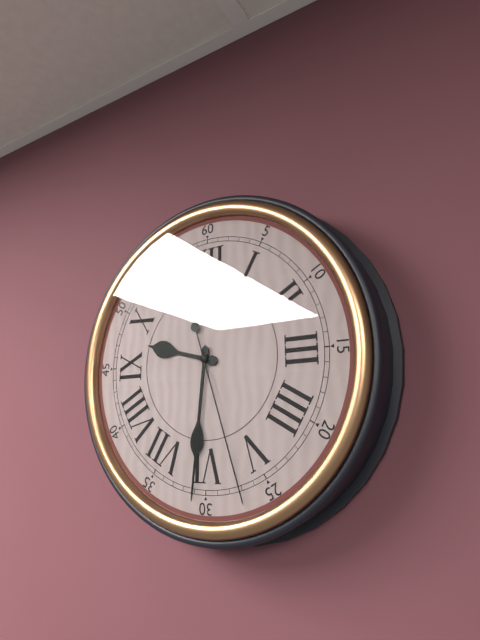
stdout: 9 h 31 min 27 s
